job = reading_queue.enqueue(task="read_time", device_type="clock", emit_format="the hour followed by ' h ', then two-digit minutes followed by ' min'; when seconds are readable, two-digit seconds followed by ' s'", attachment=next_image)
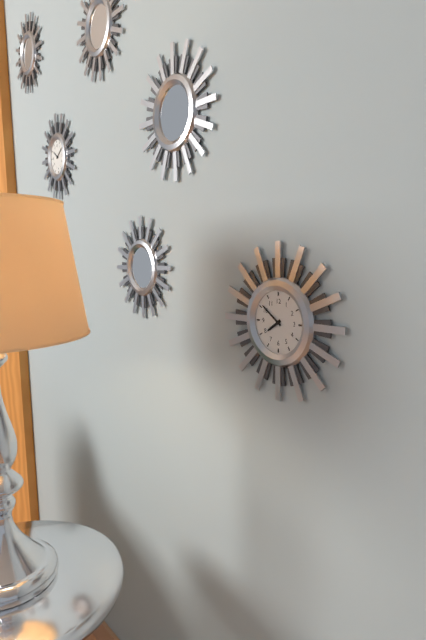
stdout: 7 h 51 min
